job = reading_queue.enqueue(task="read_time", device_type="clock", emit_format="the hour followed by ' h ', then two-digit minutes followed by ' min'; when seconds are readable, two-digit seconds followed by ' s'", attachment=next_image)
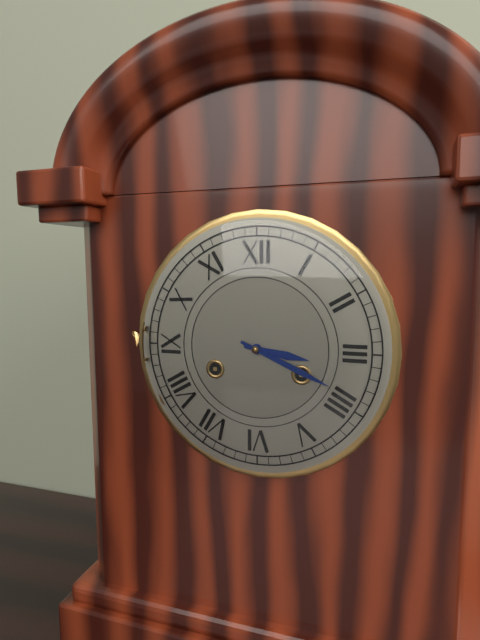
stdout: 3 h 19 min
